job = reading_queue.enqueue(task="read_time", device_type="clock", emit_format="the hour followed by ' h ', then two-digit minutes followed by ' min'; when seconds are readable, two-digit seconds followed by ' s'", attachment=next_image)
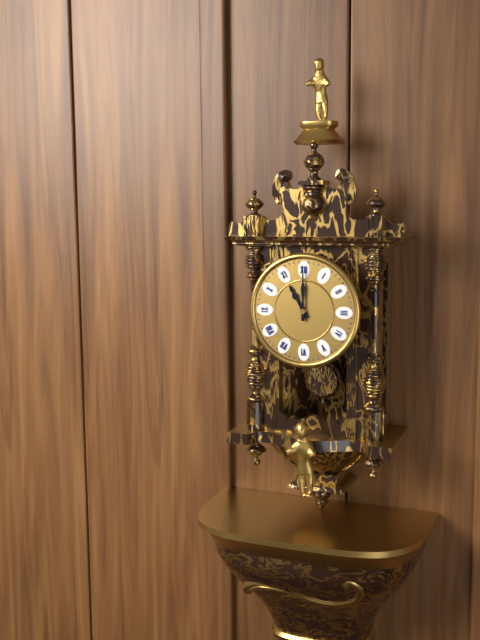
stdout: 11 h 00 min
